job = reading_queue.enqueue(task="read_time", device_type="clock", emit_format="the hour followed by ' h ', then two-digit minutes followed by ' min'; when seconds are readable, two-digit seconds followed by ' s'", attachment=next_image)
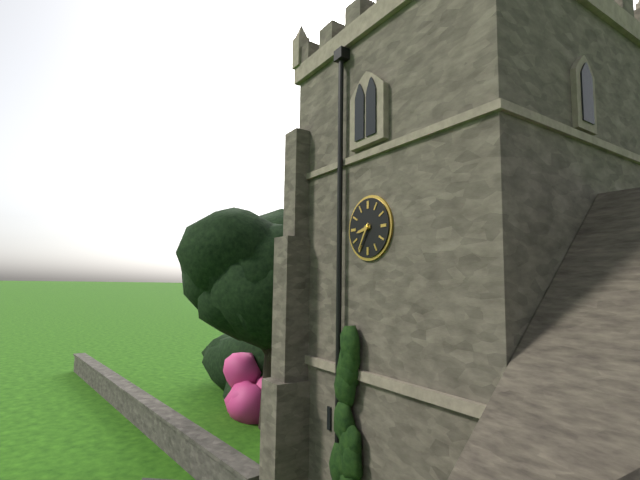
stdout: 8 h 35 min
